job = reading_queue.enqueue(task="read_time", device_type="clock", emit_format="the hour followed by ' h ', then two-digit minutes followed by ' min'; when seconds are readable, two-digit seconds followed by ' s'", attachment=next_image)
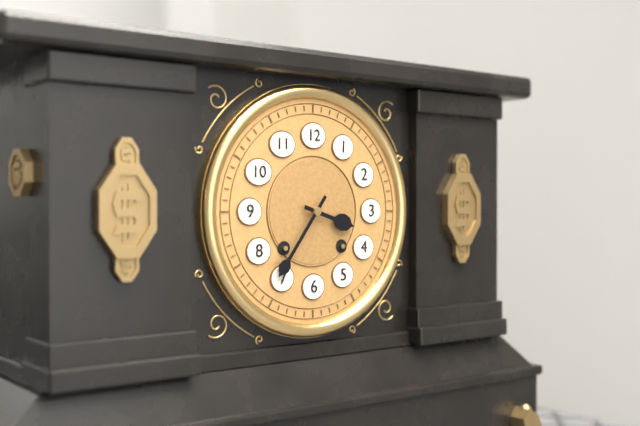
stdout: 3 h 36 min
